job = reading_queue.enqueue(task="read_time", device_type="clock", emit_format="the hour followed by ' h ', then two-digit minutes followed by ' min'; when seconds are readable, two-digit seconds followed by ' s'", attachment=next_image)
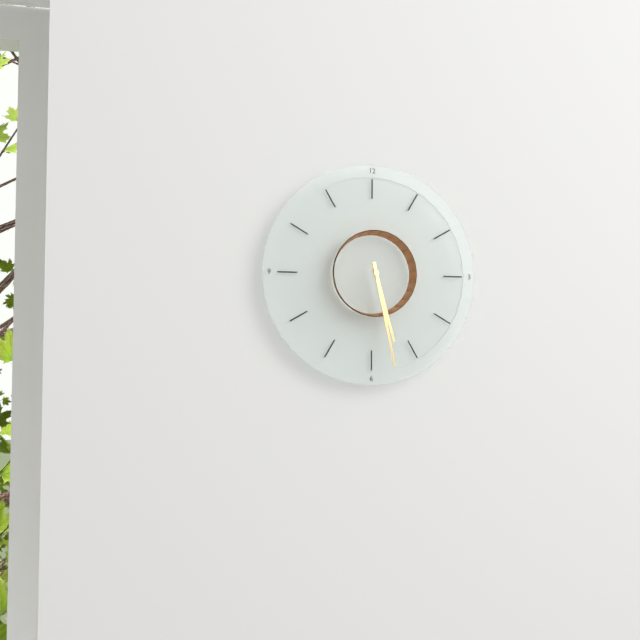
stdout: 5 h 28 min
